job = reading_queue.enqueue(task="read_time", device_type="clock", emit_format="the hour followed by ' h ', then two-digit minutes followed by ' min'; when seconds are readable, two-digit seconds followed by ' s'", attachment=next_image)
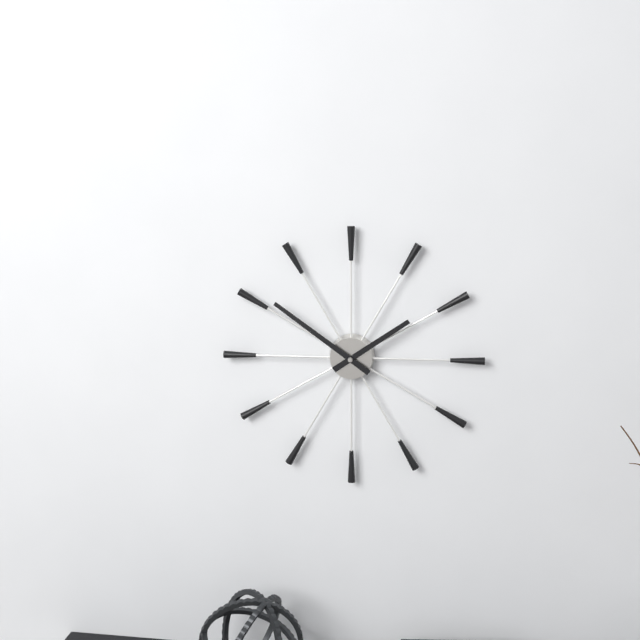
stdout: 1 h 51 min
